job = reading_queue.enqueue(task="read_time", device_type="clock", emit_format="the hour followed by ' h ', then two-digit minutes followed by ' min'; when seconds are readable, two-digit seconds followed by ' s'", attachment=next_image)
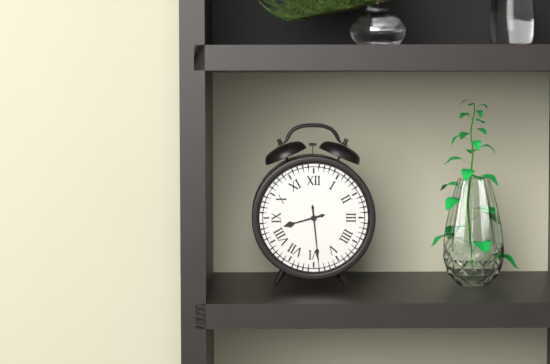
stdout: 8 h 29 min
